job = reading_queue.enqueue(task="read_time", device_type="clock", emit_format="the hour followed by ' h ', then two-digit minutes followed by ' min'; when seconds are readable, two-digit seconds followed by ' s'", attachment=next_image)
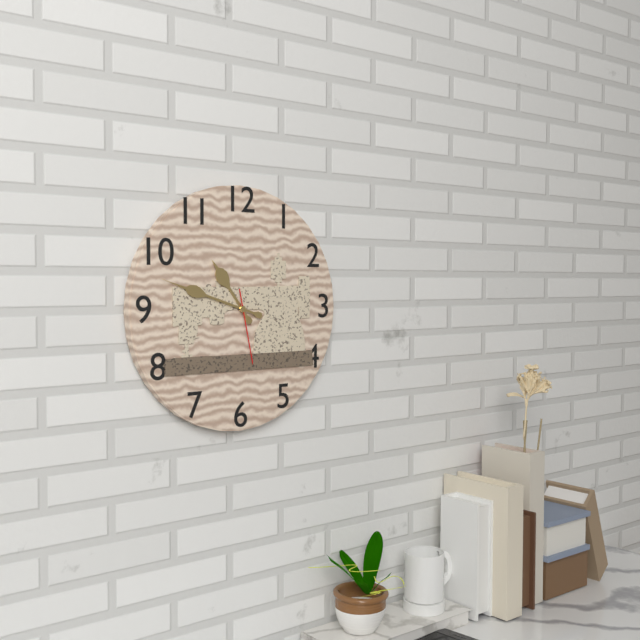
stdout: 10 h 48 min 28 s
